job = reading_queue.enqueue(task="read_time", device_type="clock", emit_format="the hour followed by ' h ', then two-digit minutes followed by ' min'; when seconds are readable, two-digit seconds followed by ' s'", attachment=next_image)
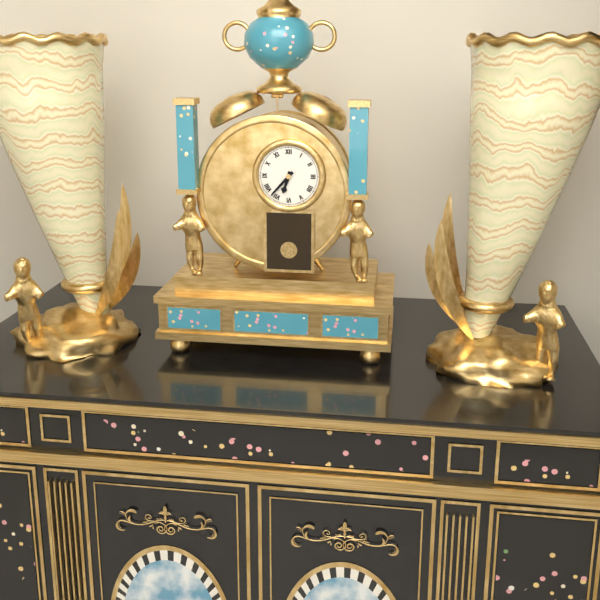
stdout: 6 h 37 min
